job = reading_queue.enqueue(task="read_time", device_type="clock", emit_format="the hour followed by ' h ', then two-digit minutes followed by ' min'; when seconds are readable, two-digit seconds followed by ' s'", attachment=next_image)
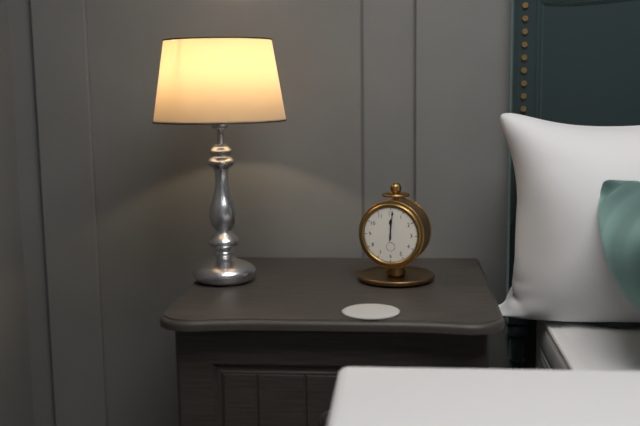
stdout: 12 h 01 min
